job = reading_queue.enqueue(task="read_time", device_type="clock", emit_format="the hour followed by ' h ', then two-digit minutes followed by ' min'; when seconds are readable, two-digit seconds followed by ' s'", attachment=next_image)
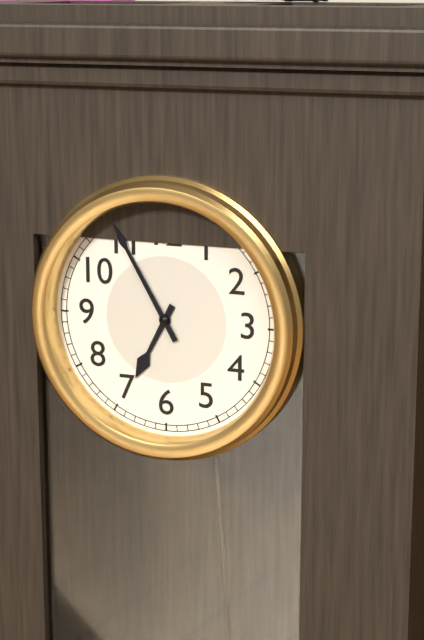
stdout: 6 h 55 min
